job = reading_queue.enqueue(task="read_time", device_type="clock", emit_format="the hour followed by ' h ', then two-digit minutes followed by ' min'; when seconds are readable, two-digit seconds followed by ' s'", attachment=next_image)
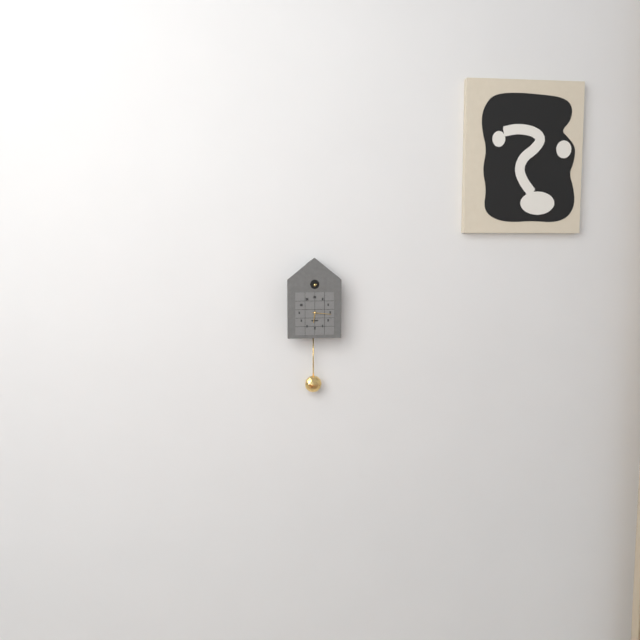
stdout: 6 h 16 min
